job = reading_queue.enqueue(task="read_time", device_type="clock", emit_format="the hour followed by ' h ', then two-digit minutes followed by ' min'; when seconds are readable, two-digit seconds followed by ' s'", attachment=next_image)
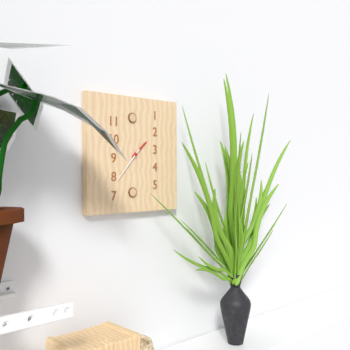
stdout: 1 h 37 min
